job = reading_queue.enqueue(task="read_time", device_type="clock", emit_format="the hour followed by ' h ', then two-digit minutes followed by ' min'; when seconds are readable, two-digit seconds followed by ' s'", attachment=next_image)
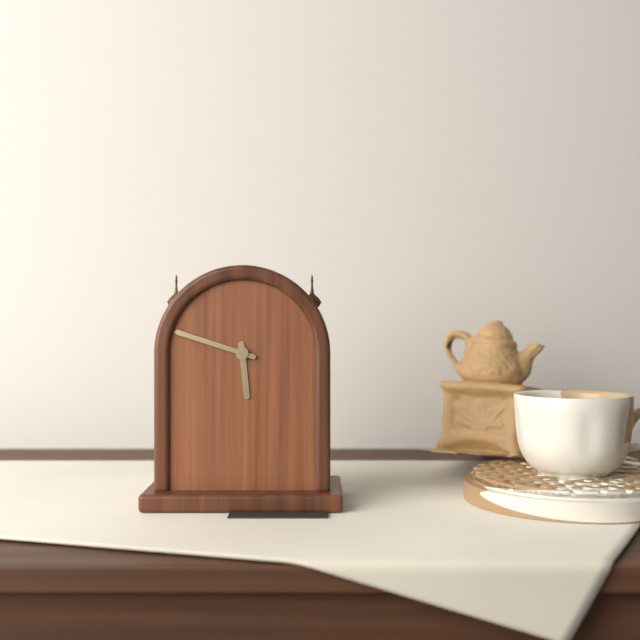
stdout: 5 h 48 min
